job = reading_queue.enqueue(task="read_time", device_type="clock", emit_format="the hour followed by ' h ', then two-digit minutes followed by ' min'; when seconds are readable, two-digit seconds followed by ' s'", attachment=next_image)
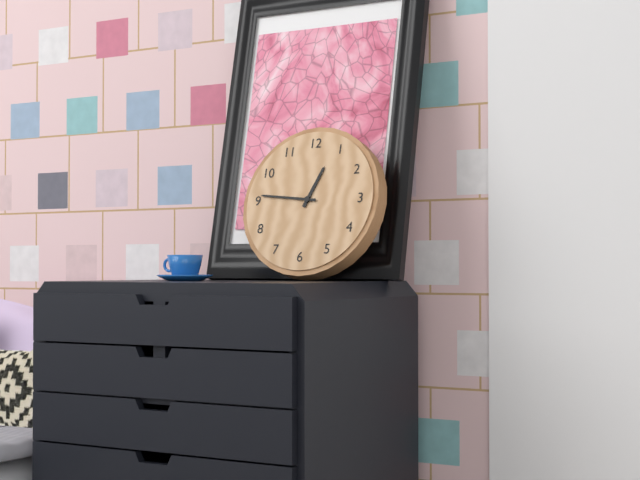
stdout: 12 h 46 min
